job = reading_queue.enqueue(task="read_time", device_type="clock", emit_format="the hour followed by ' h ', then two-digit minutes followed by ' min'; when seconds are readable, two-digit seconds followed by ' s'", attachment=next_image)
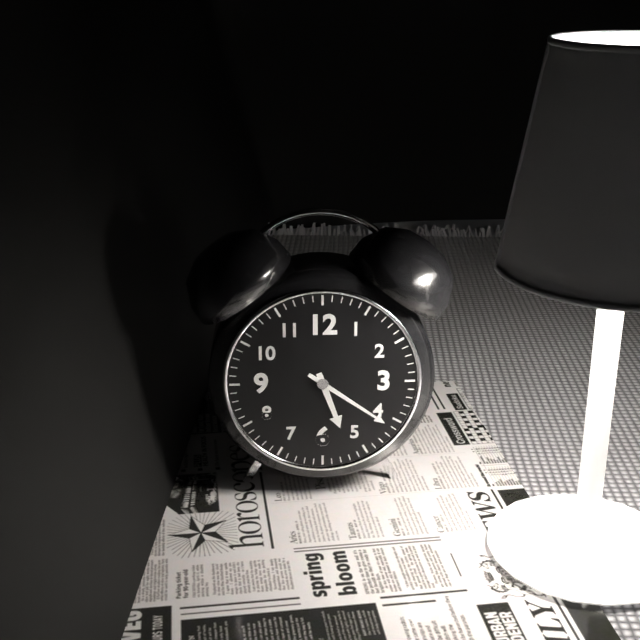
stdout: 5 h 21 min
